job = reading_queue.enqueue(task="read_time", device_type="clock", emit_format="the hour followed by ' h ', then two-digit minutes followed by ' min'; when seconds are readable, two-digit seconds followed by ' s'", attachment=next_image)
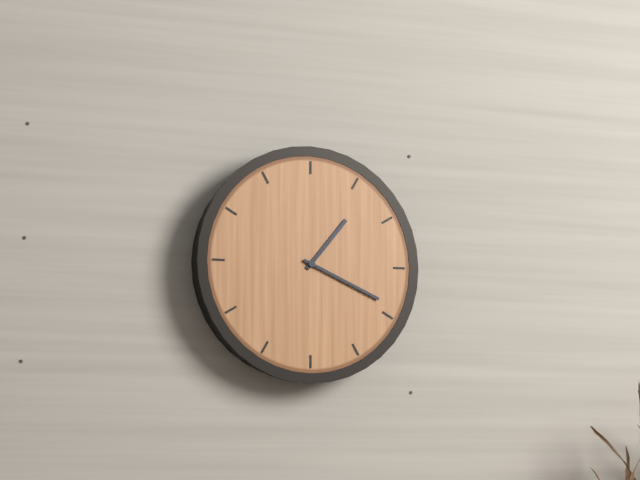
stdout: 1 h 19 min
